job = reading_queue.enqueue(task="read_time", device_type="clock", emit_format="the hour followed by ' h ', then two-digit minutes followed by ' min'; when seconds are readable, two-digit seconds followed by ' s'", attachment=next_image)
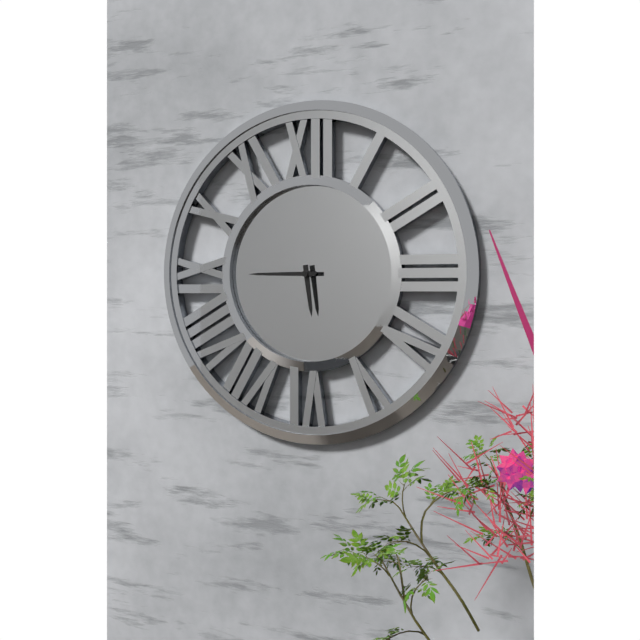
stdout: 5 h 45 min
